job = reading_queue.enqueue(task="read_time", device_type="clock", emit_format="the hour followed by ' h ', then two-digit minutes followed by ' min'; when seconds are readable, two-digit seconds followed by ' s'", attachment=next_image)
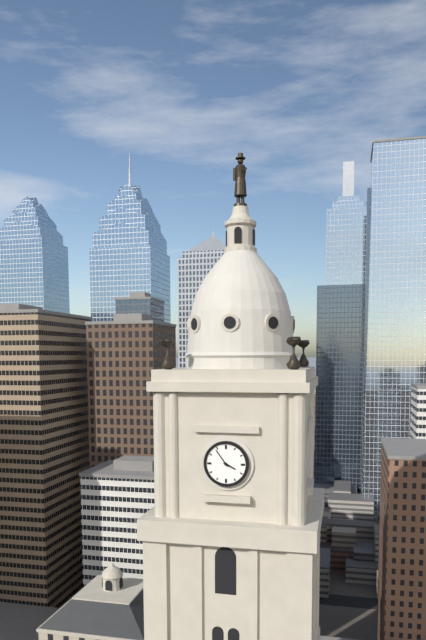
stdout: 3 h 54 min
